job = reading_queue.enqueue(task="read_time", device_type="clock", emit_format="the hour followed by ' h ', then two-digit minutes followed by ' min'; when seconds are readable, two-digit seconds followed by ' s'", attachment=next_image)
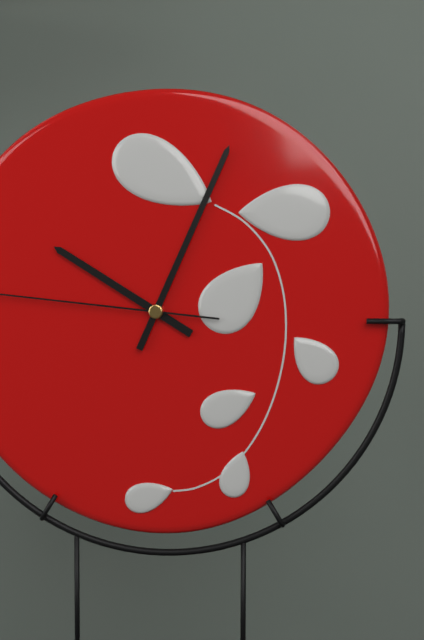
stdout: 10 h 04 min
